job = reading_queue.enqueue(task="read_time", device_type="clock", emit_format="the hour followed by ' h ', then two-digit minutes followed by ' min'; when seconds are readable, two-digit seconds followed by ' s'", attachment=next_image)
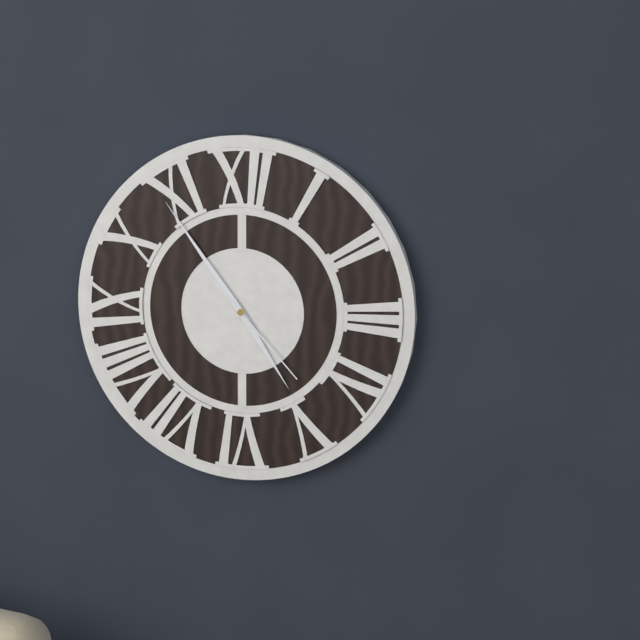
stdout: 4 h 54 min 23 s
